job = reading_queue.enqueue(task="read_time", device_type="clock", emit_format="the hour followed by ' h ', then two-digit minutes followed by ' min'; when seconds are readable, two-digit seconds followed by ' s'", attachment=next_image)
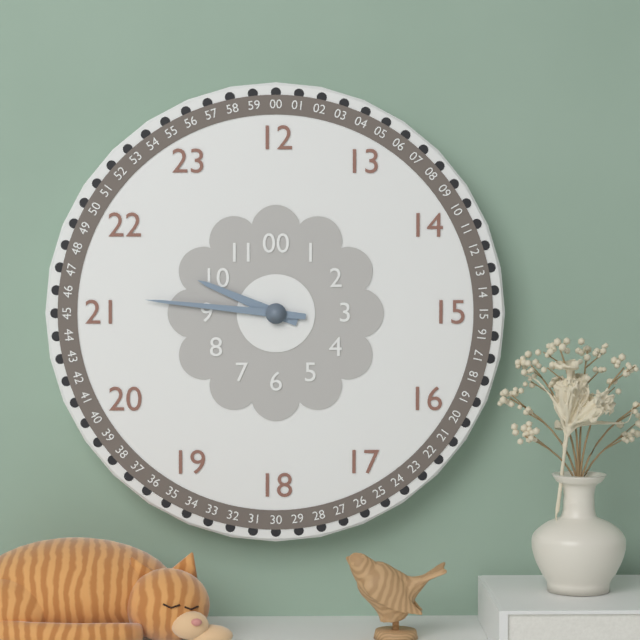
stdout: 9 h 46 min
